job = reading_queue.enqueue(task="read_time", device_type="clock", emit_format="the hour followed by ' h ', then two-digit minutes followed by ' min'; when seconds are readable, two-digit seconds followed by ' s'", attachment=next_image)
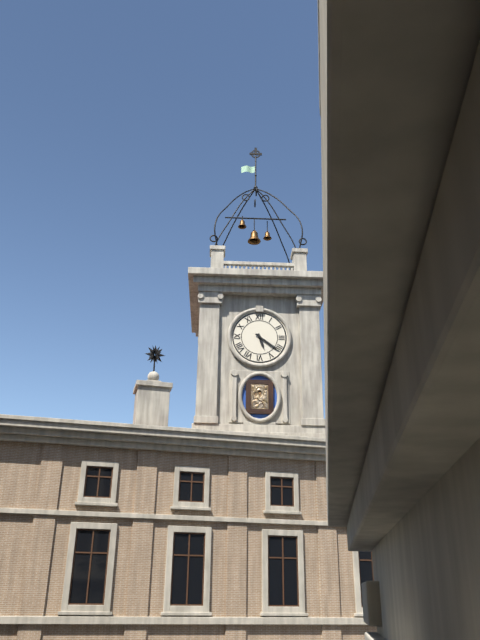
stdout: 5 h 21 min
